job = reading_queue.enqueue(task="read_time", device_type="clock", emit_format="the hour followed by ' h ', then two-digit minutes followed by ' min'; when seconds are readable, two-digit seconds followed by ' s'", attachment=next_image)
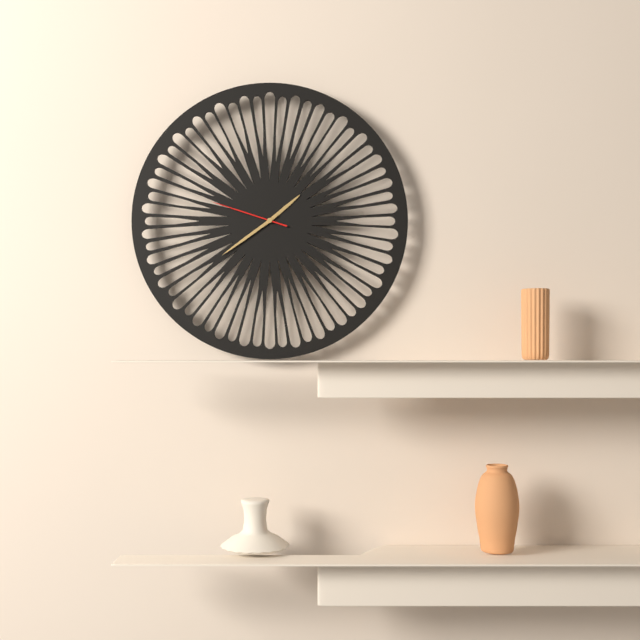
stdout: 1 h 39 min 48 s
